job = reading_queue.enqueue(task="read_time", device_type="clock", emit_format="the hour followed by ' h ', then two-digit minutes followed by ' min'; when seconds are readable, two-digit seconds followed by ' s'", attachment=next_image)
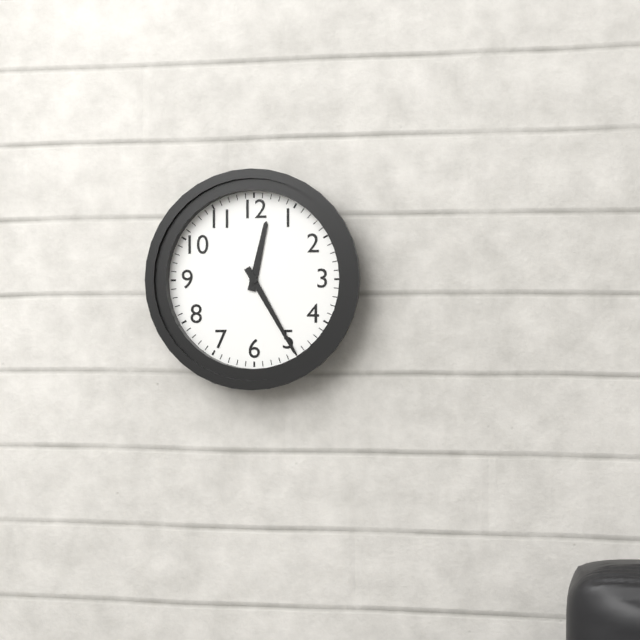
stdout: 12 h 25 min
